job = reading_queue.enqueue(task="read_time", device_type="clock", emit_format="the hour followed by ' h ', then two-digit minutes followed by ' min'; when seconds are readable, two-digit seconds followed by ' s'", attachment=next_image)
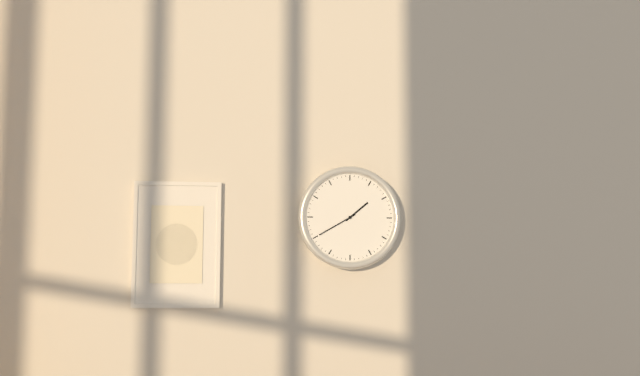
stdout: 1 h 40 min
